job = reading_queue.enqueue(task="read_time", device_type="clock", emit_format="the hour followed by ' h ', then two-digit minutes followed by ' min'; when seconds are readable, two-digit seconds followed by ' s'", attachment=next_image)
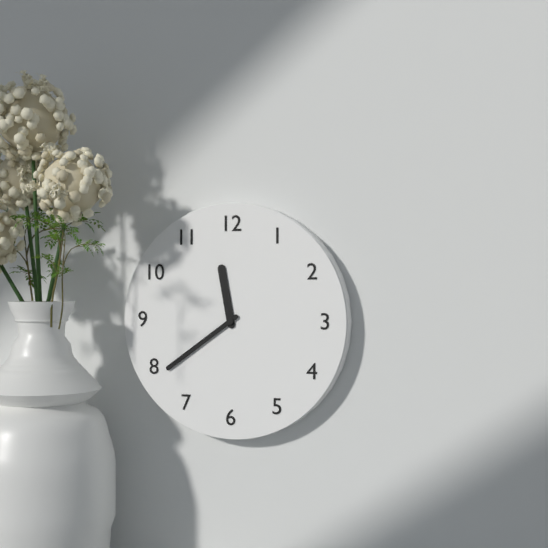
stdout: 11 h 39 min
